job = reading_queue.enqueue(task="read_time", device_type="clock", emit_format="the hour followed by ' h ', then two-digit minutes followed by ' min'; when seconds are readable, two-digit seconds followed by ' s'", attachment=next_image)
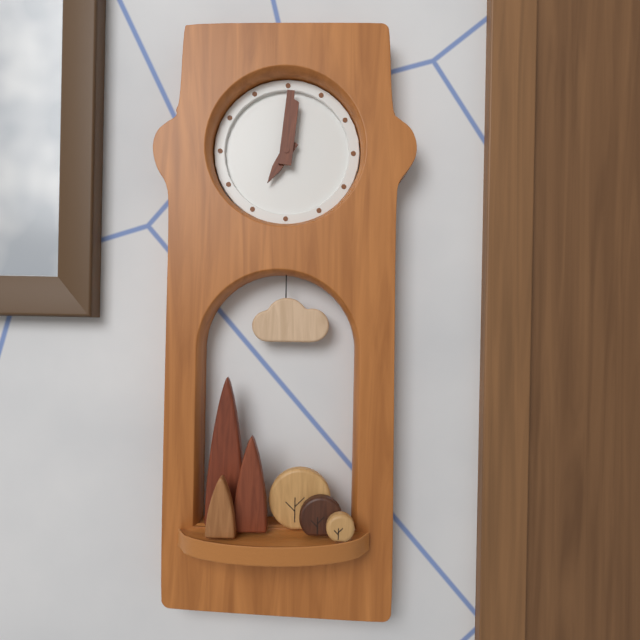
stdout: 7 h 01 min
